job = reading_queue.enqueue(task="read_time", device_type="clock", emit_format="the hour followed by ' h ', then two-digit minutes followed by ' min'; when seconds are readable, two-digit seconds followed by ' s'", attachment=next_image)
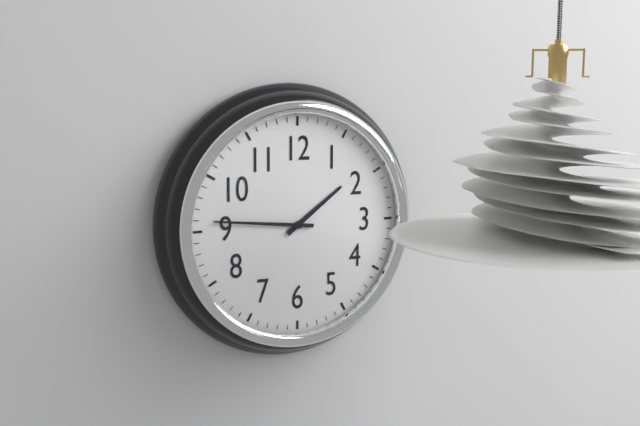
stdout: 1 h 46 min
